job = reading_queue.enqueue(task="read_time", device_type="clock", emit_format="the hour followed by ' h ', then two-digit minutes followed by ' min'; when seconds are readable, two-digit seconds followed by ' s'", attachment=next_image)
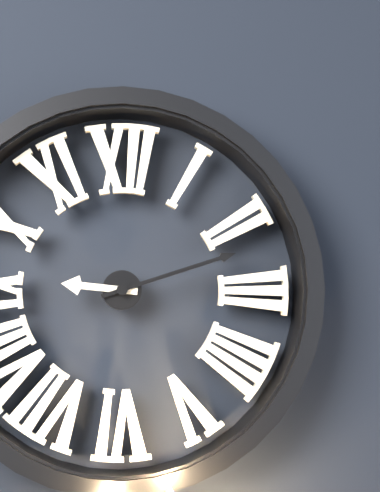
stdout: 9 h 12 min
